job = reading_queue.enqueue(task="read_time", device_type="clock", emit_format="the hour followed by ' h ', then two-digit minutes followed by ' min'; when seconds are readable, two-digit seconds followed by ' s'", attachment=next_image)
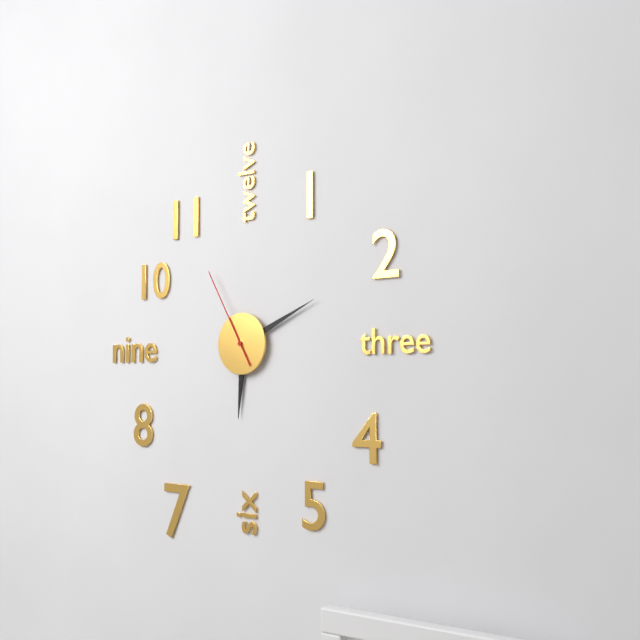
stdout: 6 h 11 min 55 s
